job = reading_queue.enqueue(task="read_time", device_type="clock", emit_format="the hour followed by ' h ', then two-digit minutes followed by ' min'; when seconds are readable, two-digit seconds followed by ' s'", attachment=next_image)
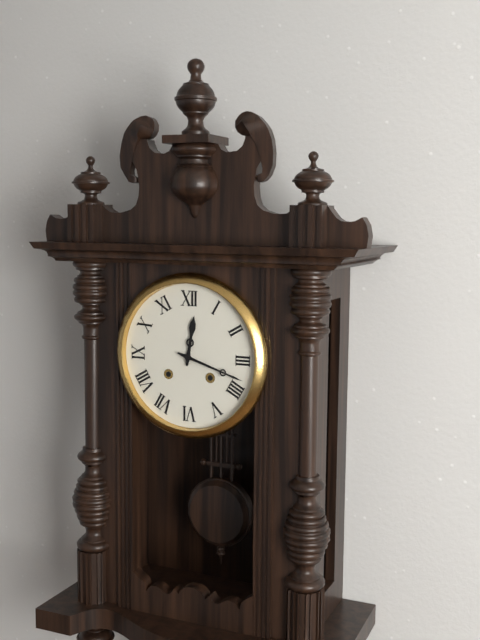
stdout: 12 h 18 min
